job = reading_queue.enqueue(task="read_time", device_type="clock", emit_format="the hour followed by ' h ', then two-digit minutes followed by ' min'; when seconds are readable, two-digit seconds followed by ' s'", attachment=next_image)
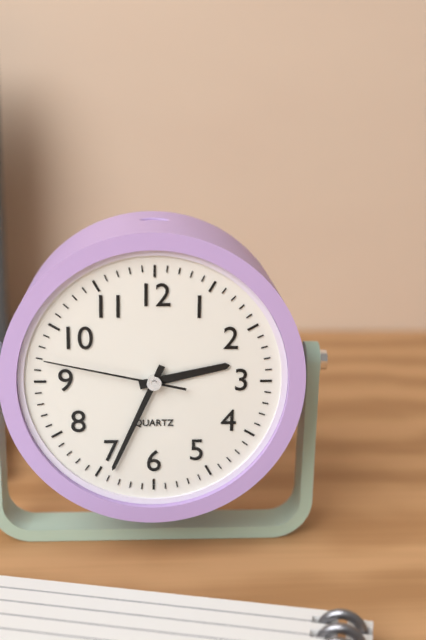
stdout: 2 h 34 min 47 s
